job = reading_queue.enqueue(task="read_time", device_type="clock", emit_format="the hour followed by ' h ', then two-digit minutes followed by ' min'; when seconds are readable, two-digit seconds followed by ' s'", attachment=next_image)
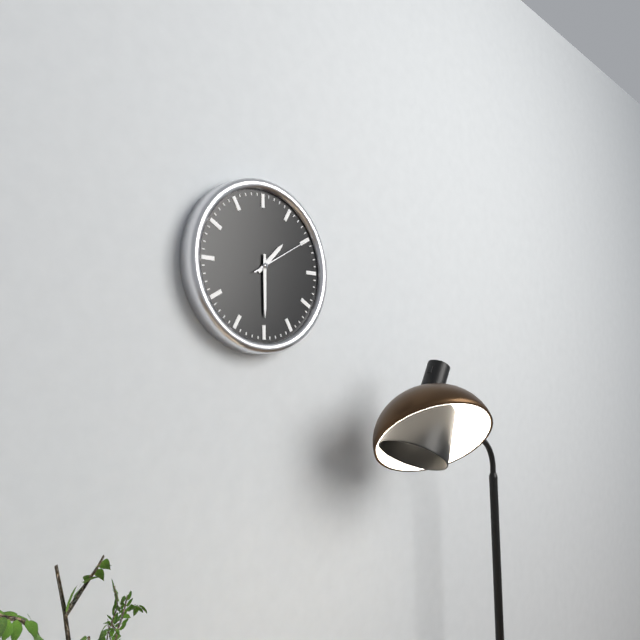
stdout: 1 h 30 min 10 s
